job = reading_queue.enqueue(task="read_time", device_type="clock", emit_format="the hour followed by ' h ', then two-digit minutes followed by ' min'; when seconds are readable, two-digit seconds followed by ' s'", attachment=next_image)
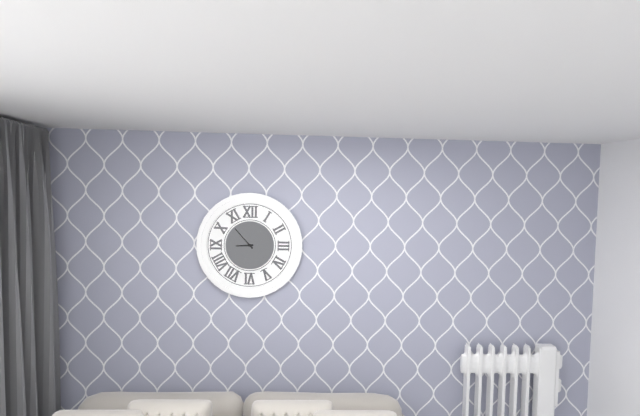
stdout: 8 h 53 min
